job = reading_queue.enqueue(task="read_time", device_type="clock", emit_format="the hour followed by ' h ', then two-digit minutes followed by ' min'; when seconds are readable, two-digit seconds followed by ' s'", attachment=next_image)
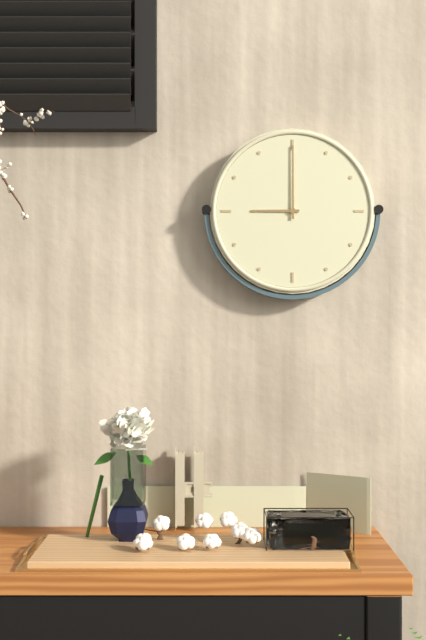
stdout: 9 h 00 min
